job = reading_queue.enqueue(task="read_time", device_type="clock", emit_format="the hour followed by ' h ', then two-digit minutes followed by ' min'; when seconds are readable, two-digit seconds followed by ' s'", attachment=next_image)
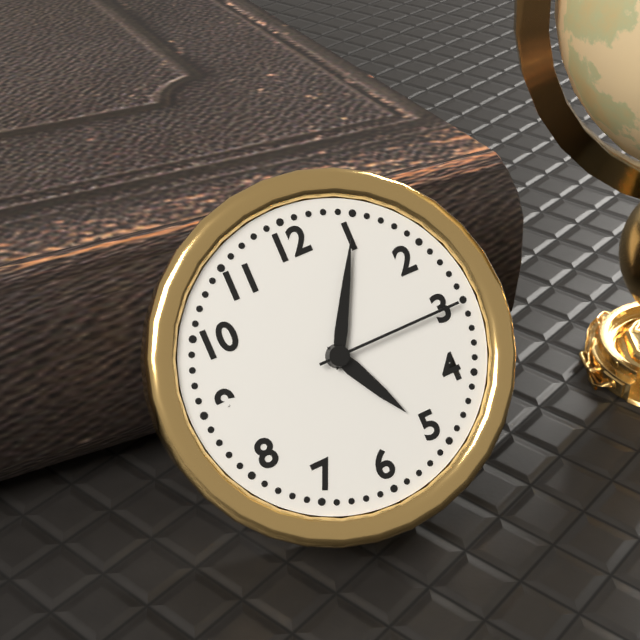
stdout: 5 h 05 min 15 s
